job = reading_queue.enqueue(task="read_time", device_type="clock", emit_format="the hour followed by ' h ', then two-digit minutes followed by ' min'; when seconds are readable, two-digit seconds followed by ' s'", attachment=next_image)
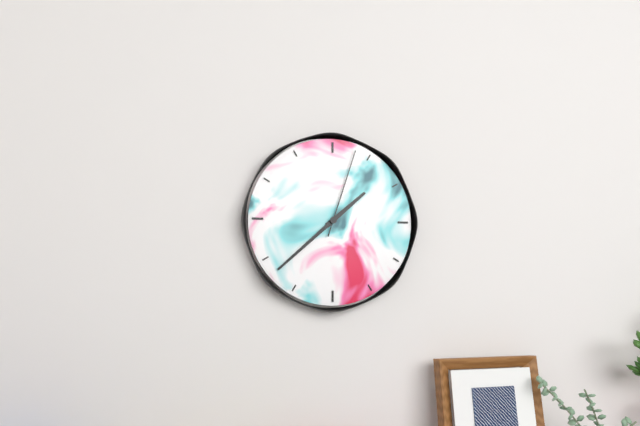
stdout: 1 h 38 min 03 s
